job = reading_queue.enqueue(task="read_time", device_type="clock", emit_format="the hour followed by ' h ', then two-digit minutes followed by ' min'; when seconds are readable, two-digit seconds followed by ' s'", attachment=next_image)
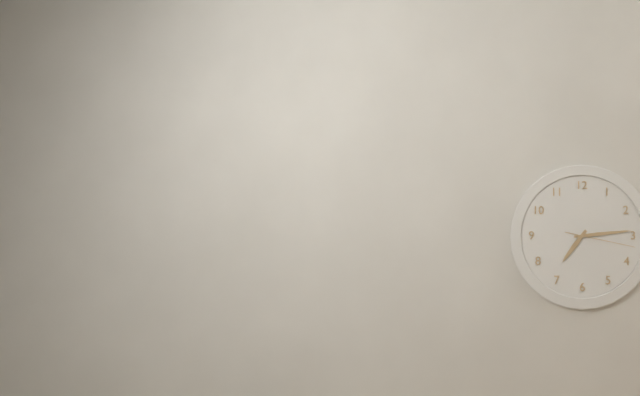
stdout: 7 h 14 min 17 s
